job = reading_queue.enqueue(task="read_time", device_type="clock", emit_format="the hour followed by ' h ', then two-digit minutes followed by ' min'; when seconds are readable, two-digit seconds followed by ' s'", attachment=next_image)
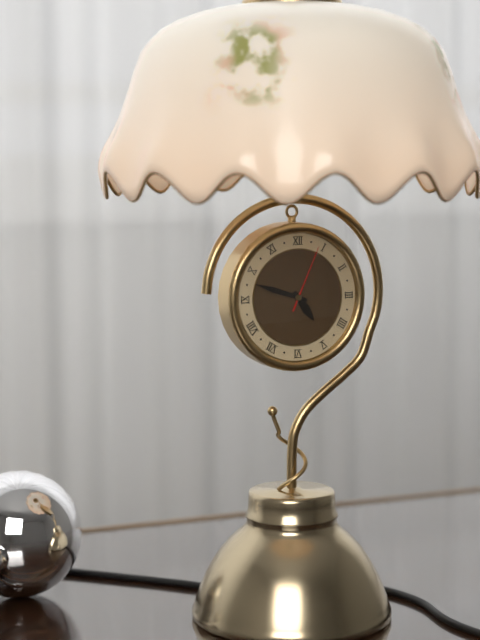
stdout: 4 h 48 min 04 s
